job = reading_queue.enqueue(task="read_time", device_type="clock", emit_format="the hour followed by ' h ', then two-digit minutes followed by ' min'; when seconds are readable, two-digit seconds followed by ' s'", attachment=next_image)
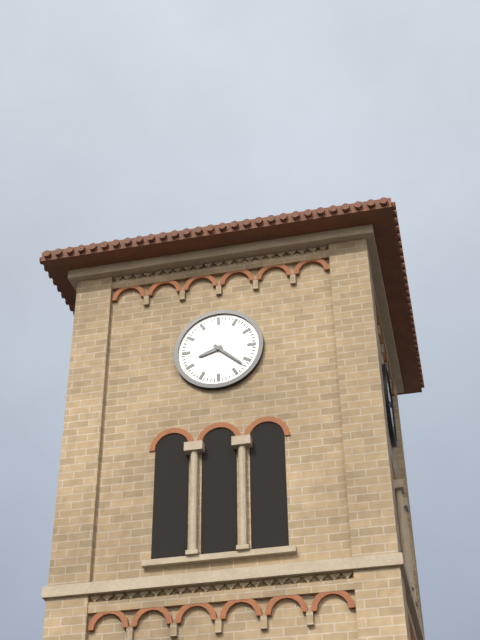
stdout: 8 h 22 min
